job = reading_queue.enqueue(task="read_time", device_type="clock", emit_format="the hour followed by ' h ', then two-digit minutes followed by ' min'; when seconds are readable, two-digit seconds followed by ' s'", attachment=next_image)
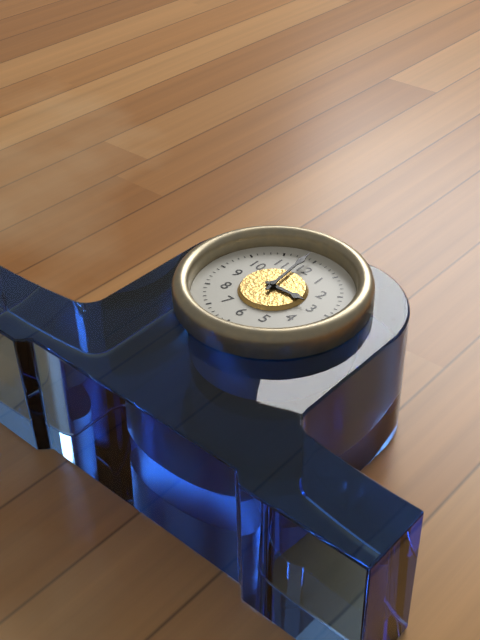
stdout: 2 h 59 min
